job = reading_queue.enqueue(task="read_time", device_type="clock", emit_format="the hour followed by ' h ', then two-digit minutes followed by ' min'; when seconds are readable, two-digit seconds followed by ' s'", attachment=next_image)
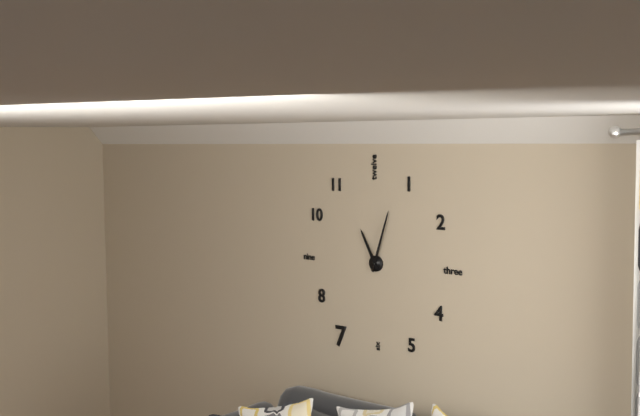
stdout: 11 h 03 min
